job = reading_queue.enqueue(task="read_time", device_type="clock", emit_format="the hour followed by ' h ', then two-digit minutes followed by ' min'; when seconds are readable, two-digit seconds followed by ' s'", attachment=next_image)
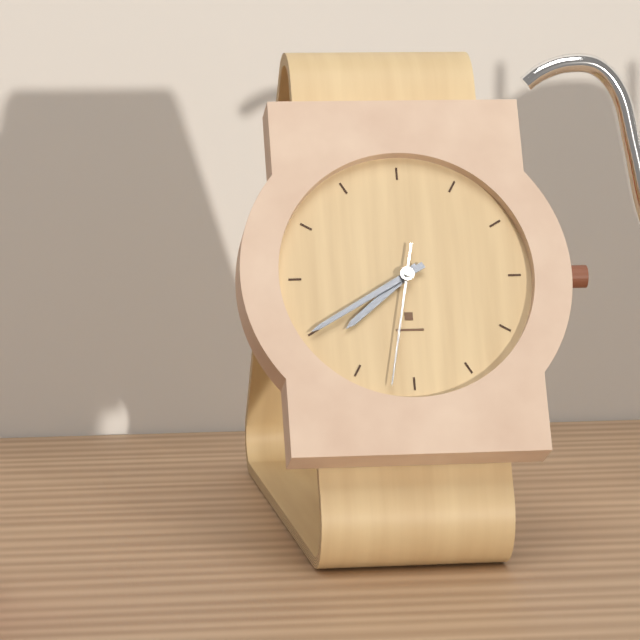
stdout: 7 h 40 min 32 s
